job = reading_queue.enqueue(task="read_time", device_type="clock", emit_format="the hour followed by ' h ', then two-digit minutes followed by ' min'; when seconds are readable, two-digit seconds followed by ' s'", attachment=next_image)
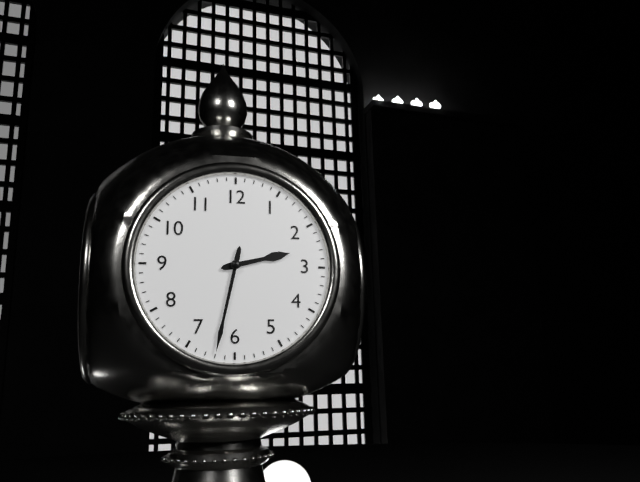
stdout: 2 h 32 min
